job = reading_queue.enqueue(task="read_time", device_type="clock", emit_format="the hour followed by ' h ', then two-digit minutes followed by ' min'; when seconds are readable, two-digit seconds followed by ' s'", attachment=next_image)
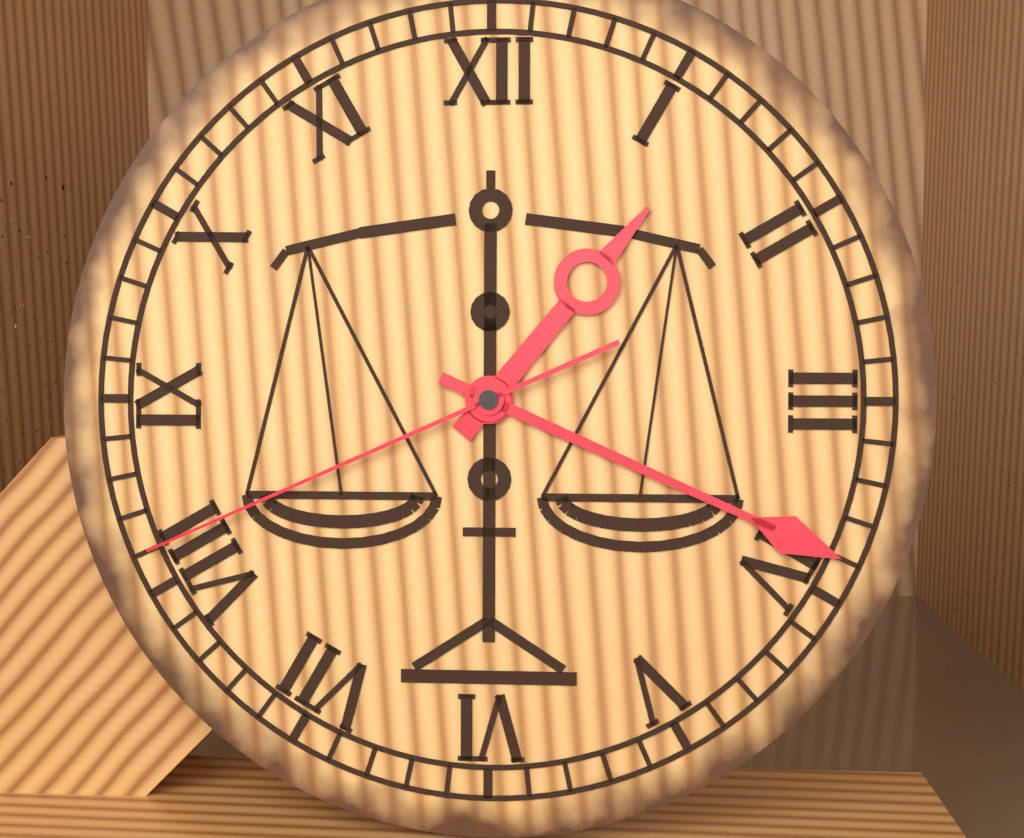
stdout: 1 h 19 min 41 s
